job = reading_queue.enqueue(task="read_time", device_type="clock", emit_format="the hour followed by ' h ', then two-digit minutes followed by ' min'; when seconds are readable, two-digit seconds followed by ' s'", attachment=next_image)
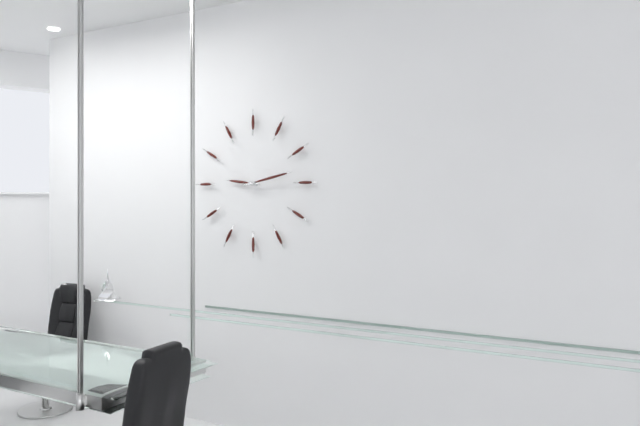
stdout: 9 h 13 min
